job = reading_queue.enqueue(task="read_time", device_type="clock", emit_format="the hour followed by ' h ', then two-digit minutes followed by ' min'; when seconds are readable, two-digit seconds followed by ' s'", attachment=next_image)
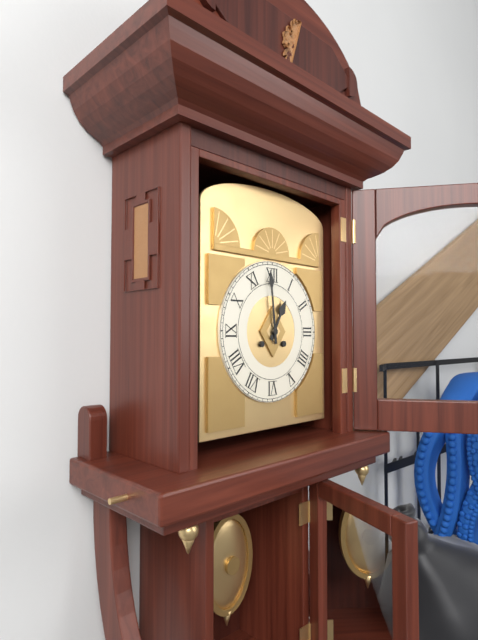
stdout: 12 h 59 min
